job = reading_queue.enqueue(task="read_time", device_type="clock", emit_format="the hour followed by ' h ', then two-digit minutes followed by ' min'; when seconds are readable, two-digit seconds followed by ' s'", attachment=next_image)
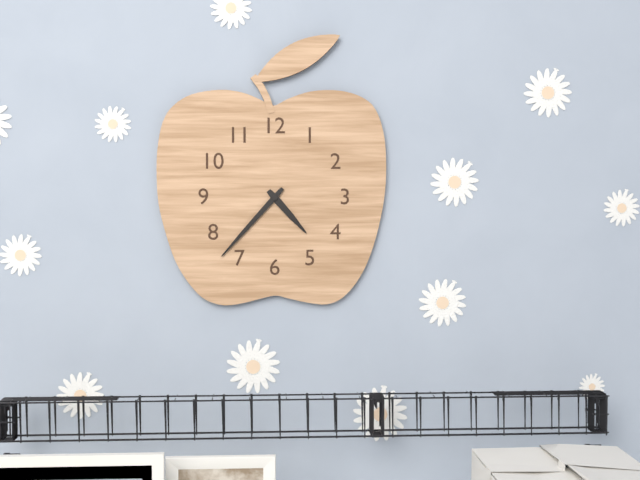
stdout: 4 h 37 min
